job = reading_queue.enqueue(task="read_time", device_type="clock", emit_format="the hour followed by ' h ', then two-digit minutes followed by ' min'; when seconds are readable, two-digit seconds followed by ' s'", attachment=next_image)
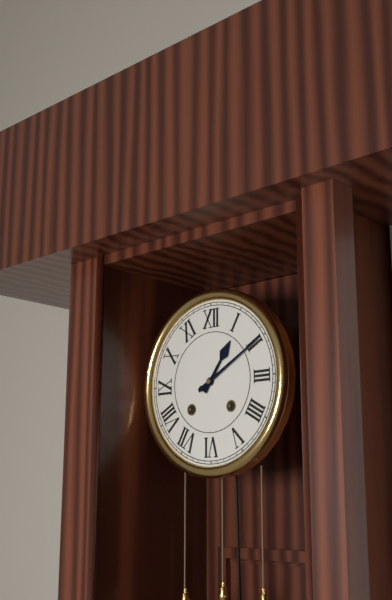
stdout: 1 h 10 min
